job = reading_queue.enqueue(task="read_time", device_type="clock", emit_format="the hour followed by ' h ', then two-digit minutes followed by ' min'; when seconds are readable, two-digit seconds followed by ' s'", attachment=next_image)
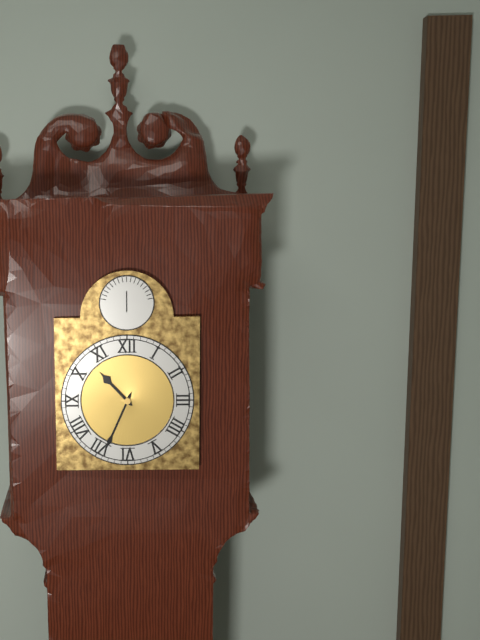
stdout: 10 h 34 min
